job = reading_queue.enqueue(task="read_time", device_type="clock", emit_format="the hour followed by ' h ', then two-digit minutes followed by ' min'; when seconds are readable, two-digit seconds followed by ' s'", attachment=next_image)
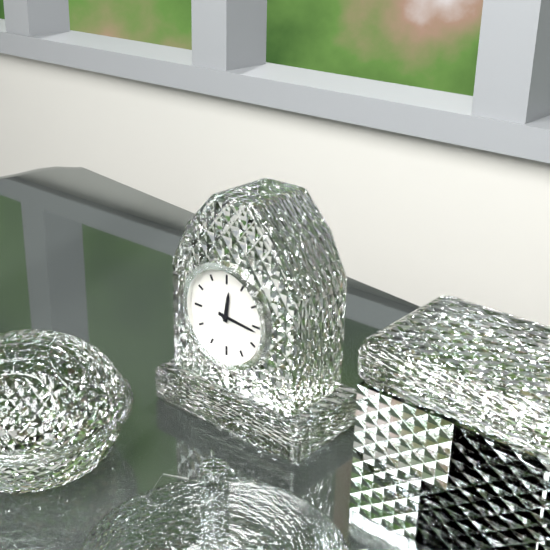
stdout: 12 h 16 min
